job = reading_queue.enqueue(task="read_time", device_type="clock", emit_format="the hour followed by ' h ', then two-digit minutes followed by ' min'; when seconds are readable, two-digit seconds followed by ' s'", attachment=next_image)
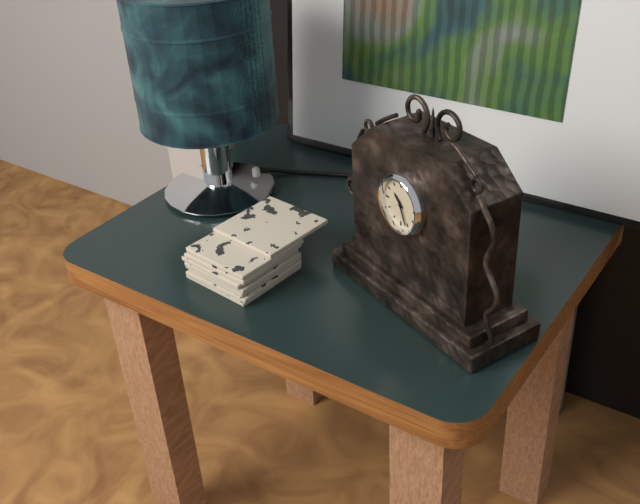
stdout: 10 h 26 min
